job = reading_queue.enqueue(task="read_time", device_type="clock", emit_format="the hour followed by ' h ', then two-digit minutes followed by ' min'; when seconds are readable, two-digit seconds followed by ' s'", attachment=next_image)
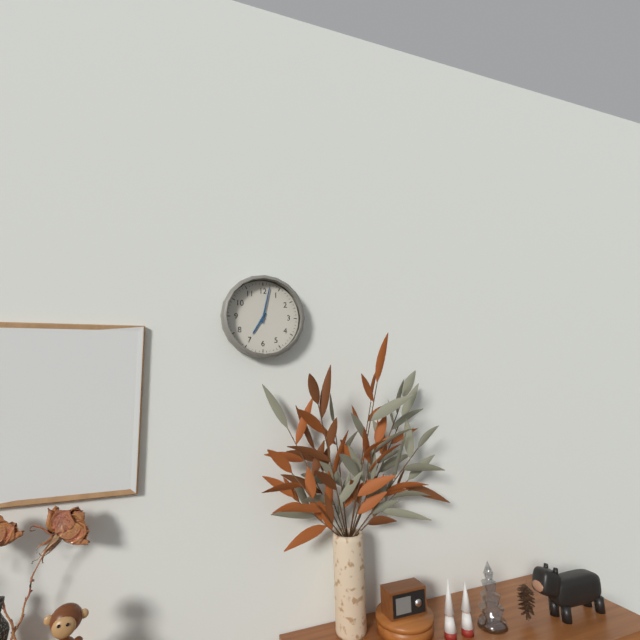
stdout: 7 h 02 min
